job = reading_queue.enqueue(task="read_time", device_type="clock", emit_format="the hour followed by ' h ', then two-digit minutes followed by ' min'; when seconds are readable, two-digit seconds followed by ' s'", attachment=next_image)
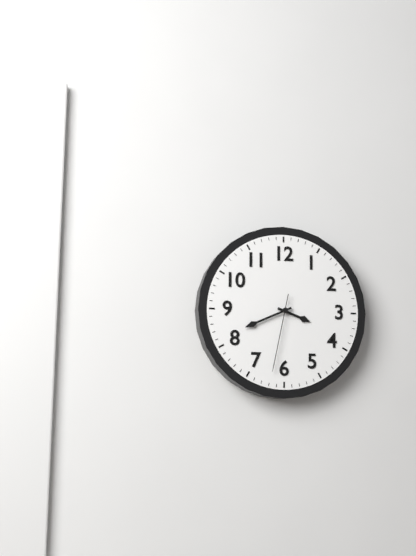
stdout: 3 h 41 min 32 s
